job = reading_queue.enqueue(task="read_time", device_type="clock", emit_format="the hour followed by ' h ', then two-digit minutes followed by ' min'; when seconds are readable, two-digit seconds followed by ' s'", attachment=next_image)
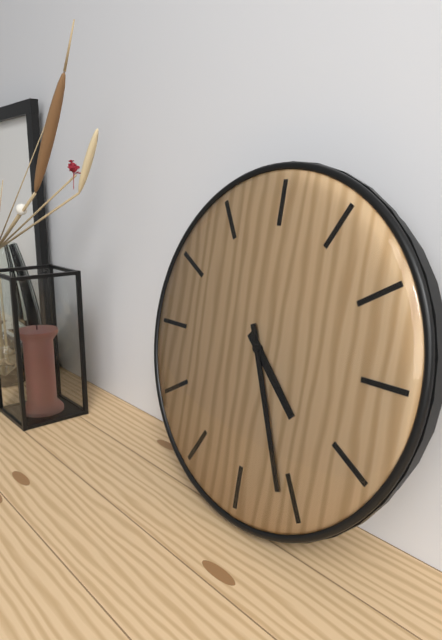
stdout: 4 h 26 min
